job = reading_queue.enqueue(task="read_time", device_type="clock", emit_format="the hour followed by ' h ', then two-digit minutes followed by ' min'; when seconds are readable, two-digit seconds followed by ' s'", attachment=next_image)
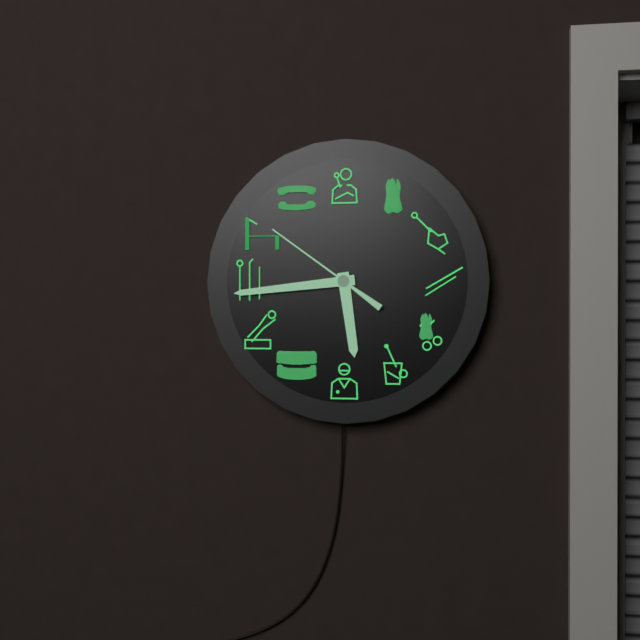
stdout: 5 h 44 min 51 s
